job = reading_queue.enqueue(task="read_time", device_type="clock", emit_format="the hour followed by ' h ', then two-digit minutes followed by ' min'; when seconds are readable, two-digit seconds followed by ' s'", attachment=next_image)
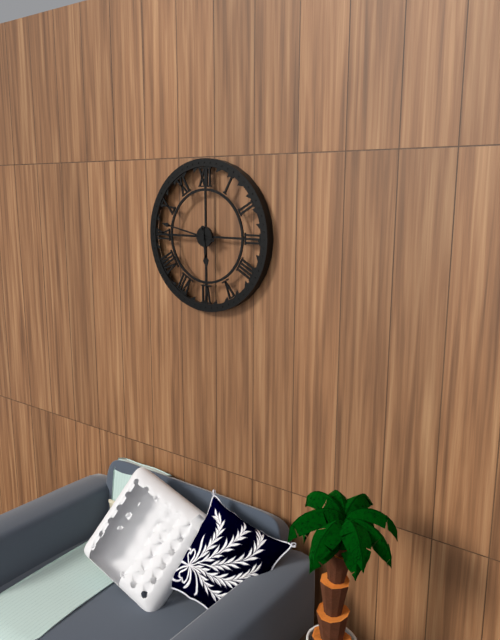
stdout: 5 h 47 min
